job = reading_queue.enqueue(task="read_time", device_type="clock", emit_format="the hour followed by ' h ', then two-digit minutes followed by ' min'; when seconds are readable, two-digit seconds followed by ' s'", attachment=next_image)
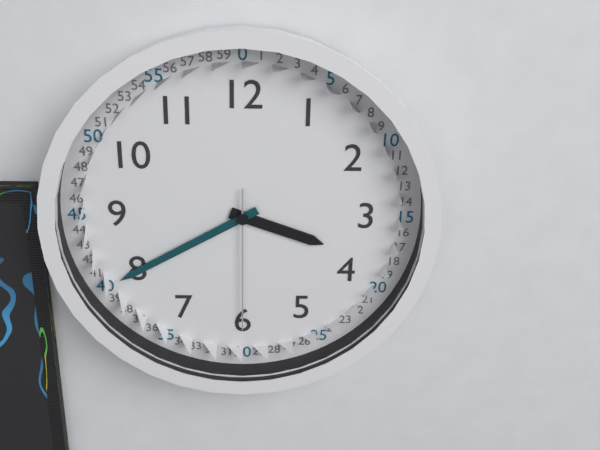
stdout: 3 h 40 min 30 s
